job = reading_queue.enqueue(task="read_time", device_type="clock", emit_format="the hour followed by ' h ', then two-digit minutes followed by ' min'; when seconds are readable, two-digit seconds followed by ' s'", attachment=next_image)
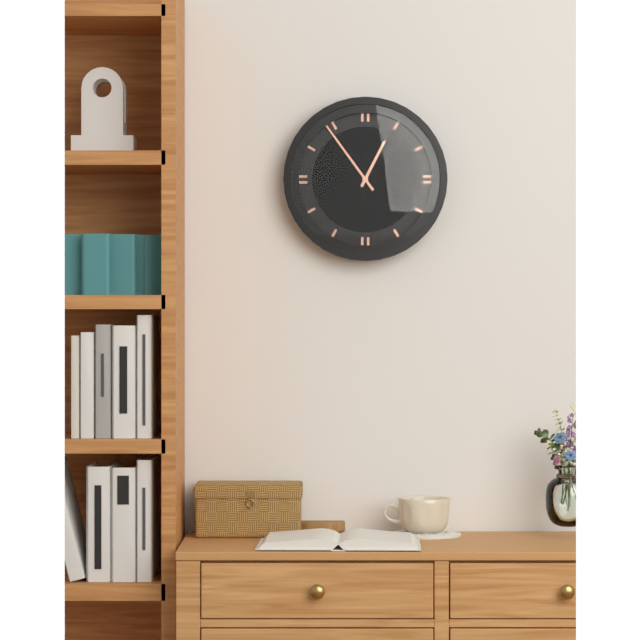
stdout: 12 h 54 min
